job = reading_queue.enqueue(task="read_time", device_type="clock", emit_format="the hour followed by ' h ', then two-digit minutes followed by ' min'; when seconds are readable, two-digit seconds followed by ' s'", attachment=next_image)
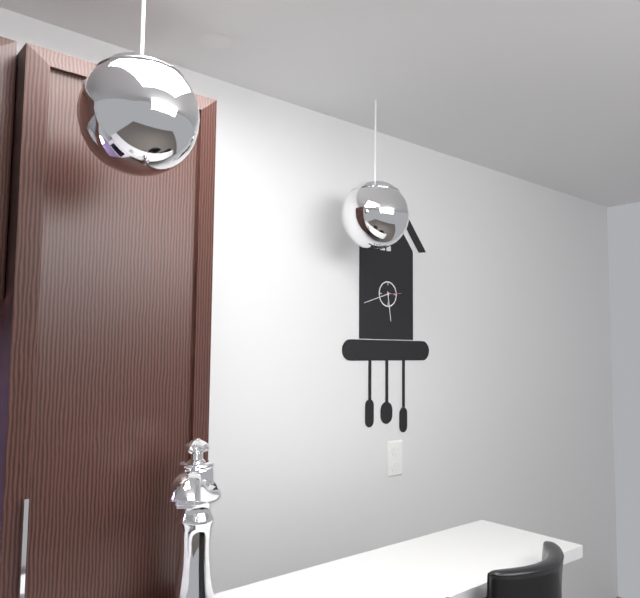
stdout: 5 h 42 min
